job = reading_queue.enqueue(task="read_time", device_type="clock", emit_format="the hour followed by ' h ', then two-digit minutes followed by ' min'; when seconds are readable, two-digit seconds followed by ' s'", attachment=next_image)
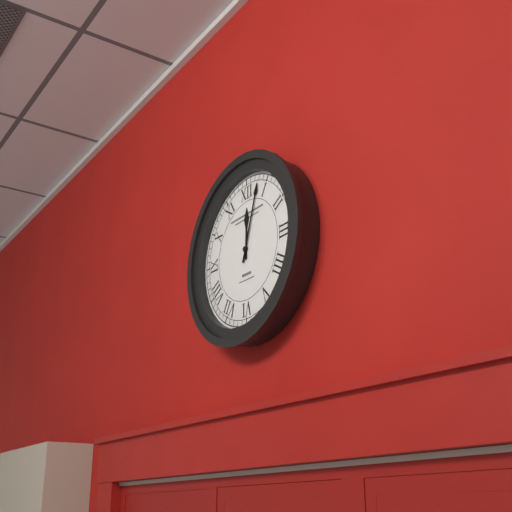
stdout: 12 h 03 min
